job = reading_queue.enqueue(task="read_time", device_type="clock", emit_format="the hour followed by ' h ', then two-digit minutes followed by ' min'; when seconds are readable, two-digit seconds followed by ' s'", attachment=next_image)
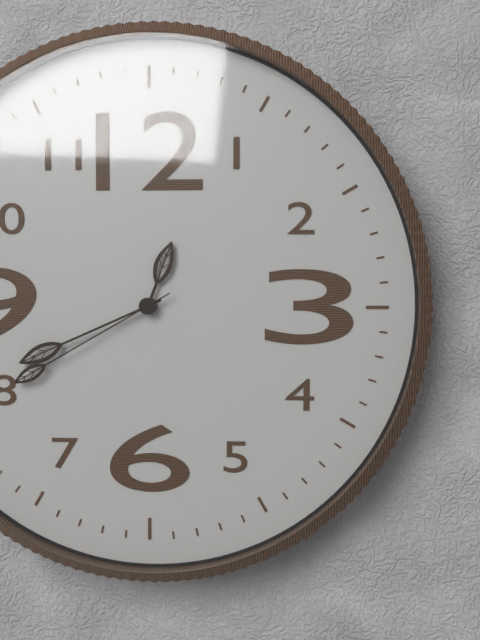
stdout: 12 h 41 min 40 s
